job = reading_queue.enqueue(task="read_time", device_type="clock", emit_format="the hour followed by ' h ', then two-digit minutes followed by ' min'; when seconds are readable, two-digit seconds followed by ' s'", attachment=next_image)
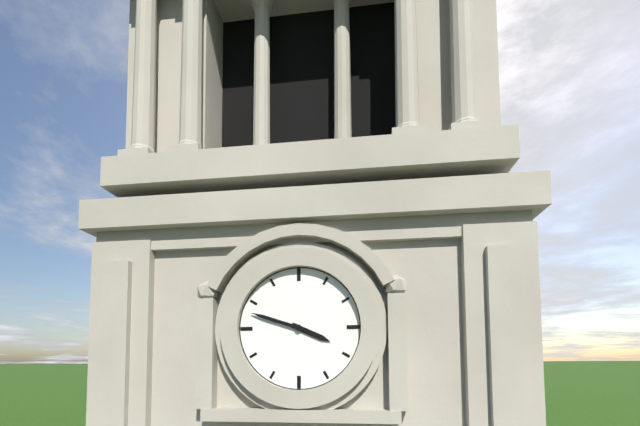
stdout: 3 h 48 min
